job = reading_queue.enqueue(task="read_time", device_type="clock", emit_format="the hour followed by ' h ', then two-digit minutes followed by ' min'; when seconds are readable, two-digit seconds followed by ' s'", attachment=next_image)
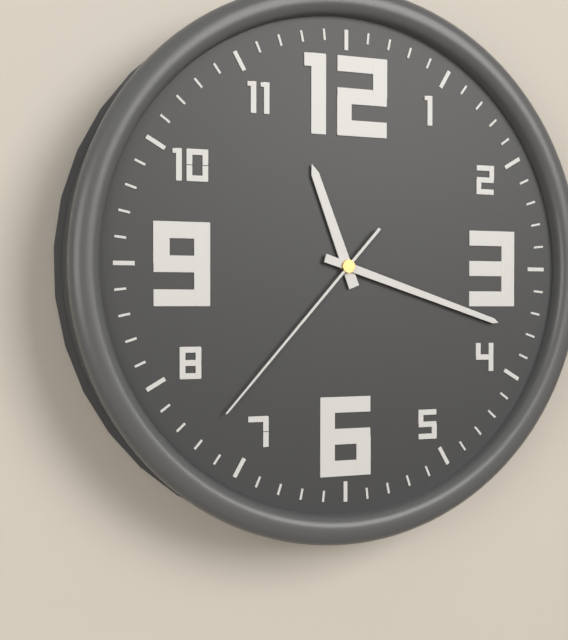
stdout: 11 h 18 min 37 s
